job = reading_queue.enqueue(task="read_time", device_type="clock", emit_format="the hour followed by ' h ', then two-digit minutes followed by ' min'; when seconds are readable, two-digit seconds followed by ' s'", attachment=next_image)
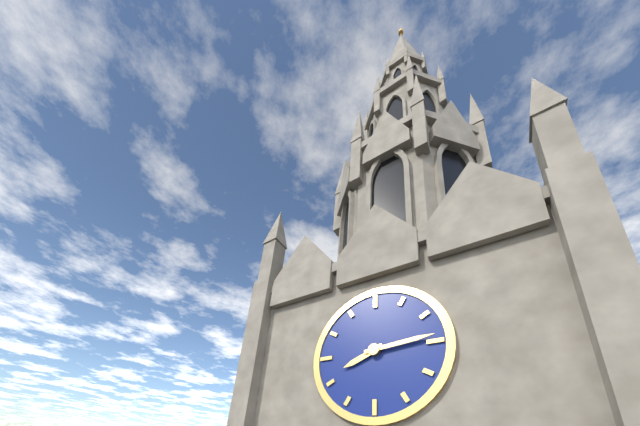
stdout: 8 h 14 min
